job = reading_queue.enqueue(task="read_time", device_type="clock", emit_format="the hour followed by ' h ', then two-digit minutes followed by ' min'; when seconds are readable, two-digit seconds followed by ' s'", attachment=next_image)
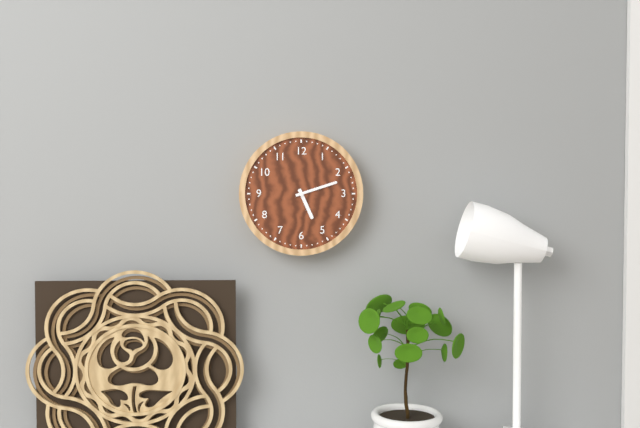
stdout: 5 h 12 min
